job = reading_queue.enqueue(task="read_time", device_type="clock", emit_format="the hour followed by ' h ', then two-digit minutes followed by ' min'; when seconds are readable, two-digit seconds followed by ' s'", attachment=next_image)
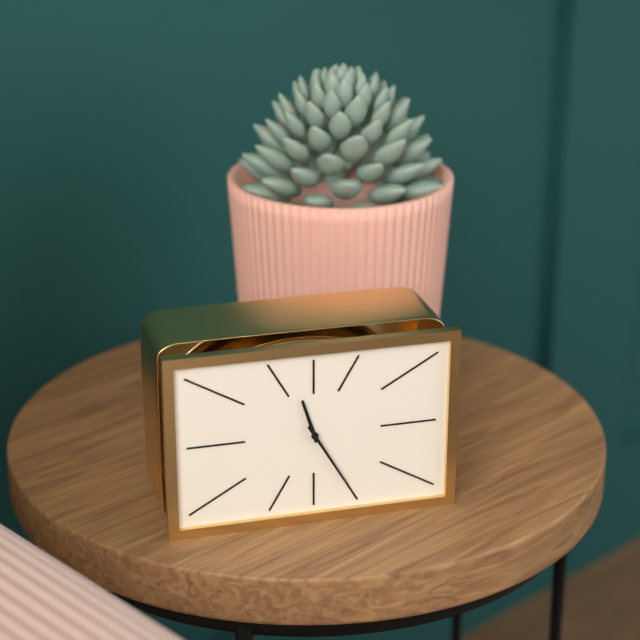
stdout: 11 h 25 min
